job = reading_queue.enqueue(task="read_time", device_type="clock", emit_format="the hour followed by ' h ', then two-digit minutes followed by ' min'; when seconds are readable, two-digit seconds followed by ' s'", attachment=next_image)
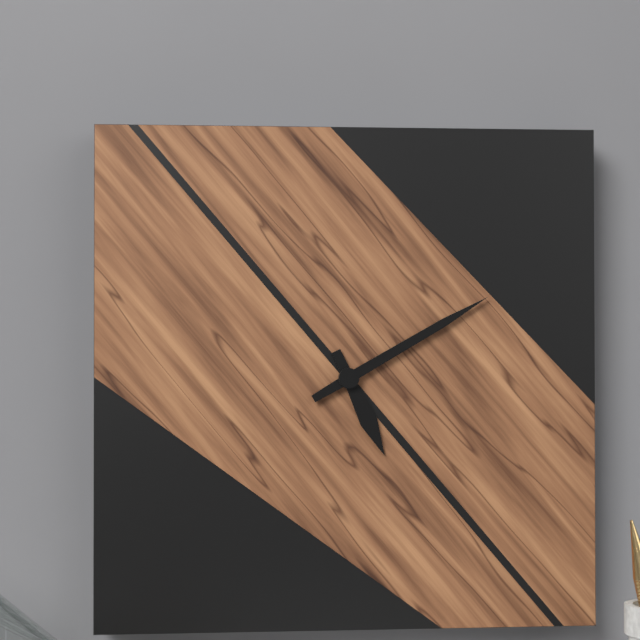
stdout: 5 h 10 min
